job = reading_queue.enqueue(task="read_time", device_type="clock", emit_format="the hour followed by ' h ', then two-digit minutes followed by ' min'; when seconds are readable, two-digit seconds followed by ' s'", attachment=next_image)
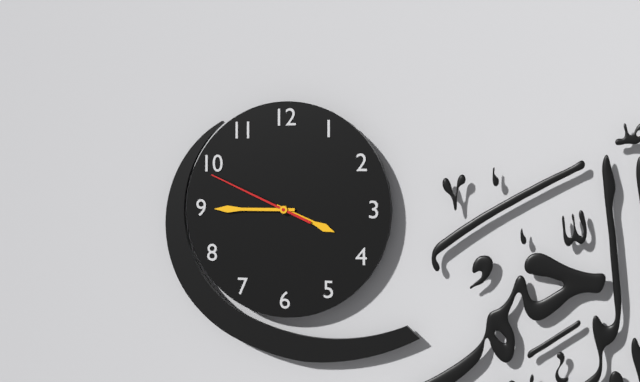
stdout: 3 h 45 min 49 s
